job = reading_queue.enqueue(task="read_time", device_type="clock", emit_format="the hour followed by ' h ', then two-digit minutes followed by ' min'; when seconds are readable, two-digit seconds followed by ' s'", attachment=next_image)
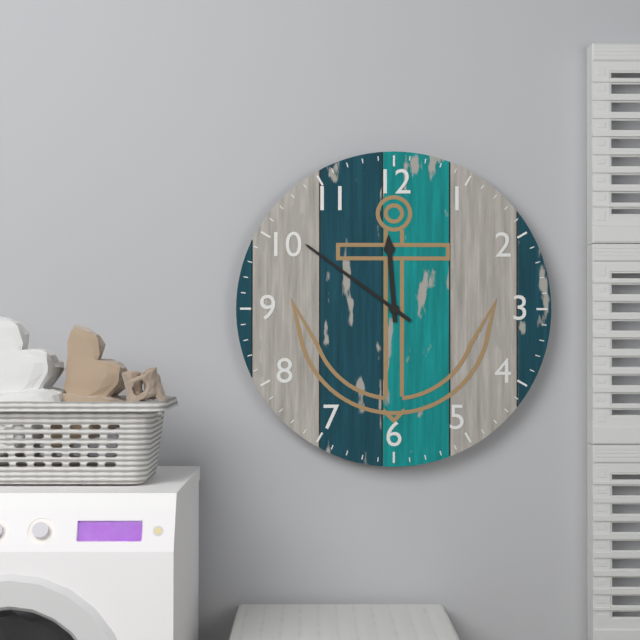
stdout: 11 h 51 min
